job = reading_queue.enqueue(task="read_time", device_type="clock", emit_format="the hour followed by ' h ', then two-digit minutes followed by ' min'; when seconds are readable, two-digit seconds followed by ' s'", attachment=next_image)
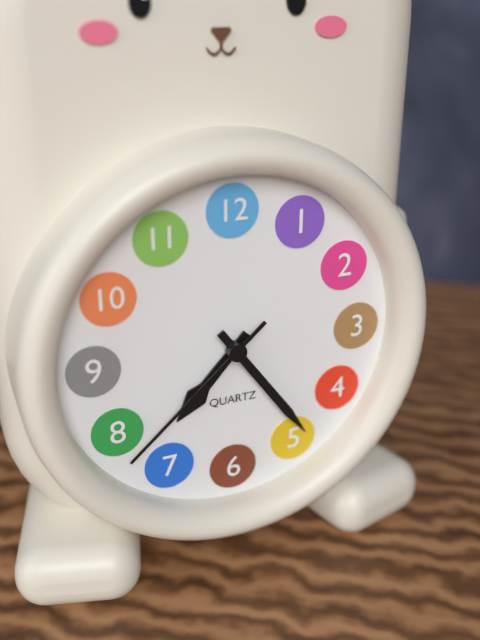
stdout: 7 h 24 min 38 s
